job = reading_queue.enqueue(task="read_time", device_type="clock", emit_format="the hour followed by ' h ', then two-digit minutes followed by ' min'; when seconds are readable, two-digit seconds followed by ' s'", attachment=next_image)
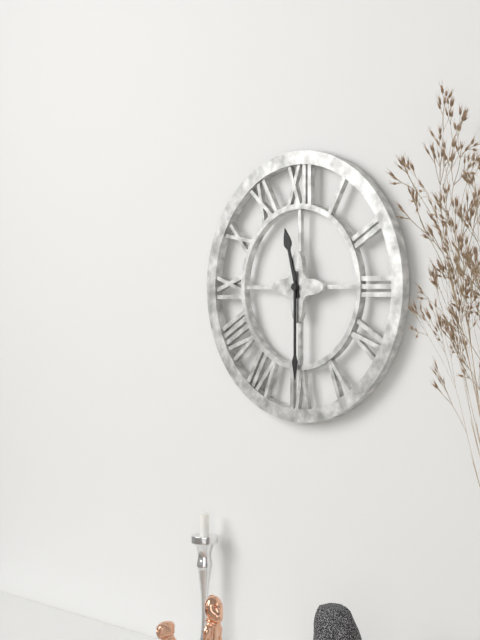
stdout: 11 h 30 min
